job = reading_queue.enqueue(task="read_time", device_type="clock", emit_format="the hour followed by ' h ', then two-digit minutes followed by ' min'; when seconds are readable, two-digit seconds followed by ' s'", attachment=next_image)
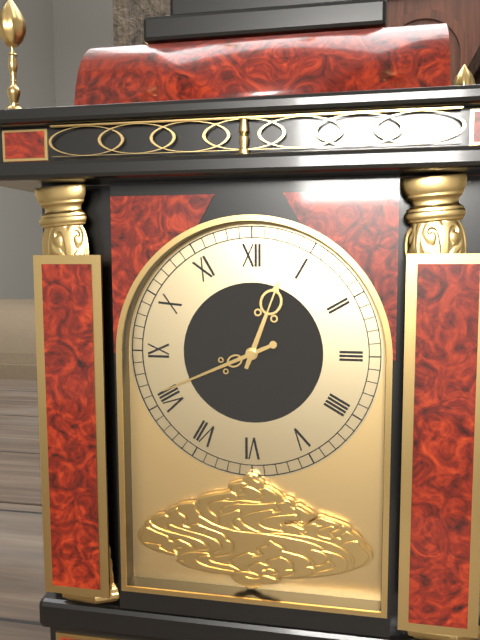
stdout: 12 h 41 min
